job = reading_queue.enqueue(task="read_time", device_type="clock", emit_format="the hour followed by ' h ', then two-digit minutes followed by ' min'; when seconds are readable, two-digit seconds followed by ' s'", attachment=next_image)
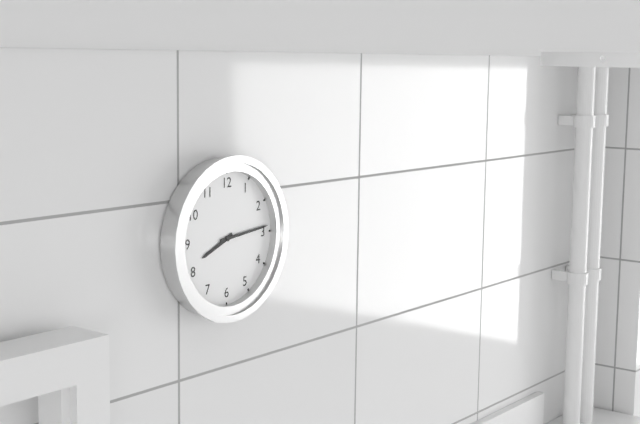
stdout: 8 h 14 min
